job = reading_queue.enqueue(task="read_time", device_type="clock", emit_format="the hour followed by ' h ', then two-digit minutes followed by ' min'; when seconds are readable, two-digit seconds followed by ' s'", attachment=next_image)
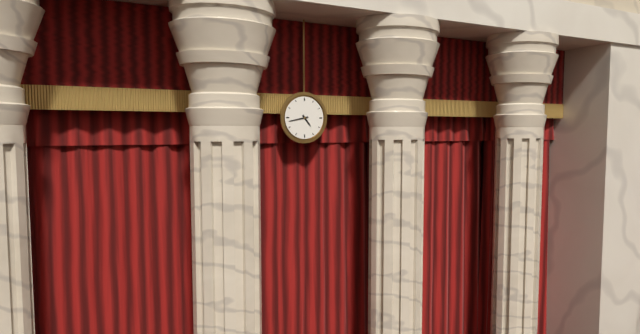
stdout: 4 h 43 min
